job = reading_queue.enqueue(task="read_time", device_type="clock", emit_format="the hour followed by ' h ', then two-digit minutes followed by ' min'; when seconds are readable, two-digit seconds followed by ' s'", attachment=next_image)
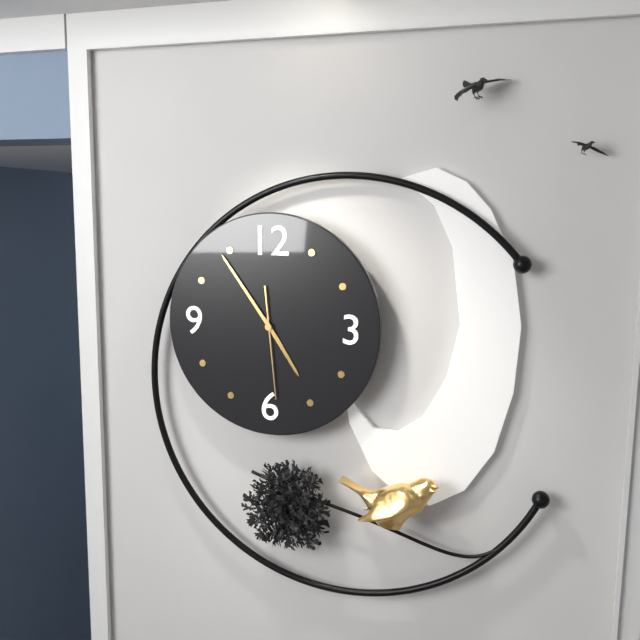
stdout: 4 h 54 min 29 s
